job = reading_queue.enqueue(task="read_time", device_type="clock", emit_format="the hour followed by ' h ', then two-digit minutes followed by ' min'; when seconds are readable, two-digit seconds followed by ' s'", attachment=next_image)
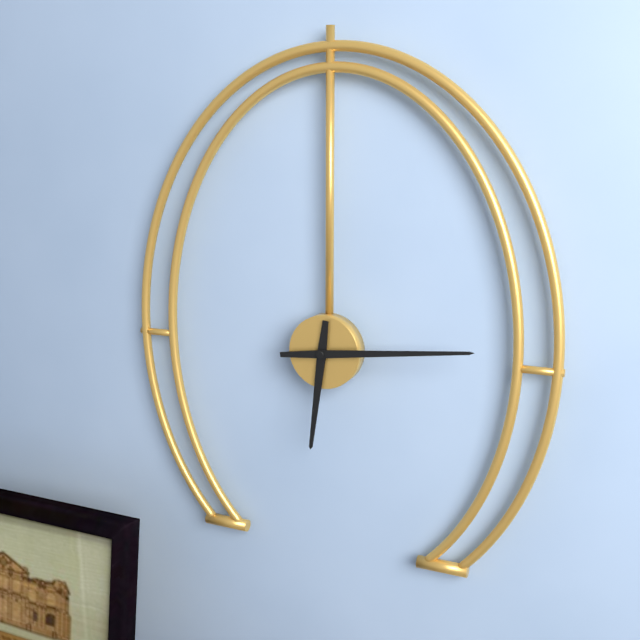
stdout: 6 h 14 min
